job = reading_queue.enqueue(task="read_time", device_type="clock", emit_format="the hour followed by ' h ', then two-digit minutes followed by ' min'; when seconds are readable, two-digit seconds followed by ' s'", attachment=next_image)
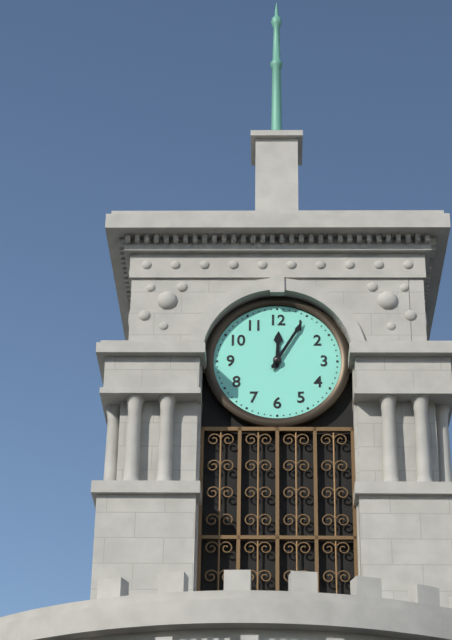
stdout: 12 h 05 min
